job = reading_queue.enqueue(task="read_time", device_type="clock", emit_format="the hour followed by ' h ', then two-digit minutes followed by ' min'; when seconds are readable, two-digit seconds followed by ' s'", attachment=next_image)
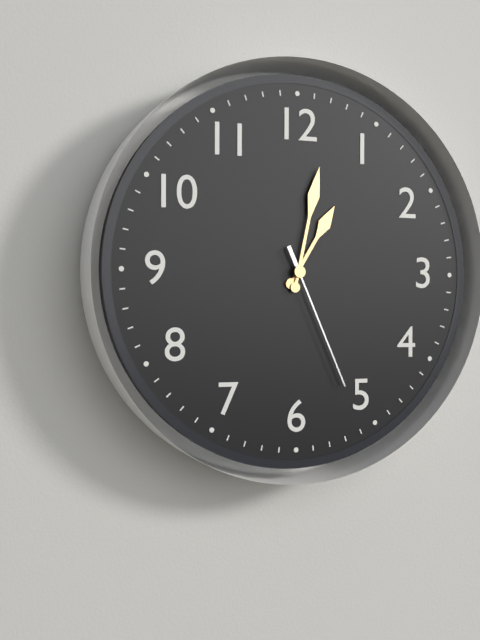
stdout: 1 h 02 min 26 s
